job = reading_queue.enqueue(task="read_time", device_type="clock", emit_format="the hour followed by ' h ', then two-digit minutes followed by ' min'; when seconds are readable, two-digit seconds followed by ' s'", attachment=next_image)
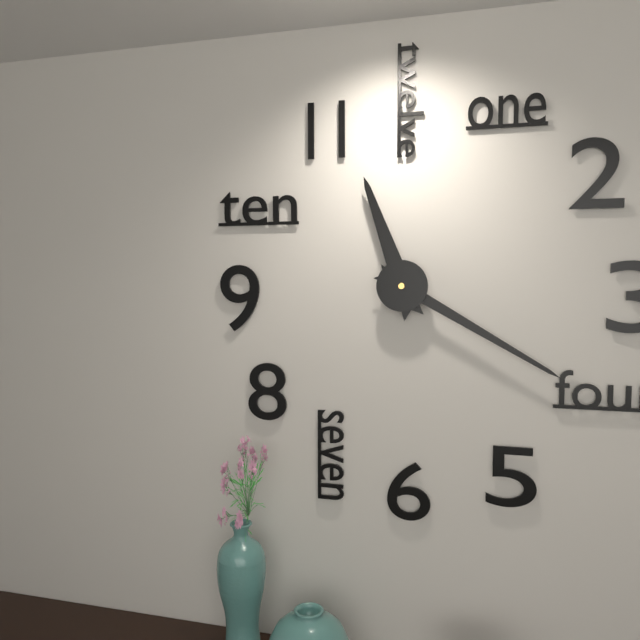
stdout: 11 h 20 min
